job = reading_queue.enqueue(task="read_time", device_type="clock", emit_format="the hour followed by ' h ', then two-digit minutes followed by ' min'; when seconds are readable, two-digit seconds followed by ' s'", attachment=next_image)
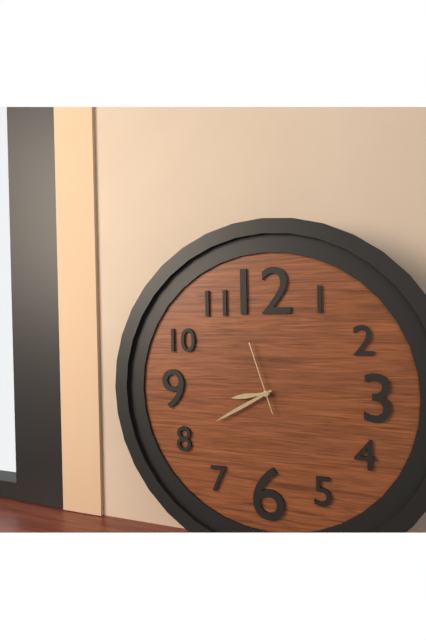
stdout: 8 h 40 min 57 s
